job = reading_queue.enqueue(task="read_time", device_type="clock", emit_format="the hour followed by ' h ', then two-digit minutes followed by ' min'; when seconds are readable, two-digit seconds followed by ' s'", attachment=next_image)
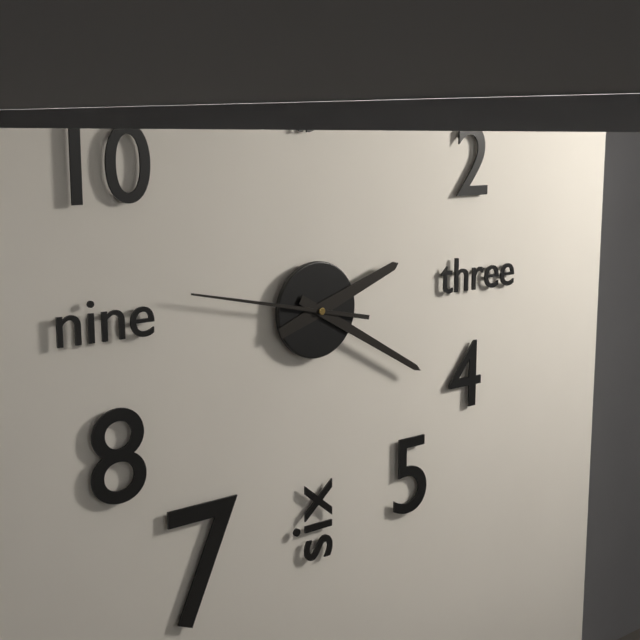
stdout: 2 h 20 min 47 s
